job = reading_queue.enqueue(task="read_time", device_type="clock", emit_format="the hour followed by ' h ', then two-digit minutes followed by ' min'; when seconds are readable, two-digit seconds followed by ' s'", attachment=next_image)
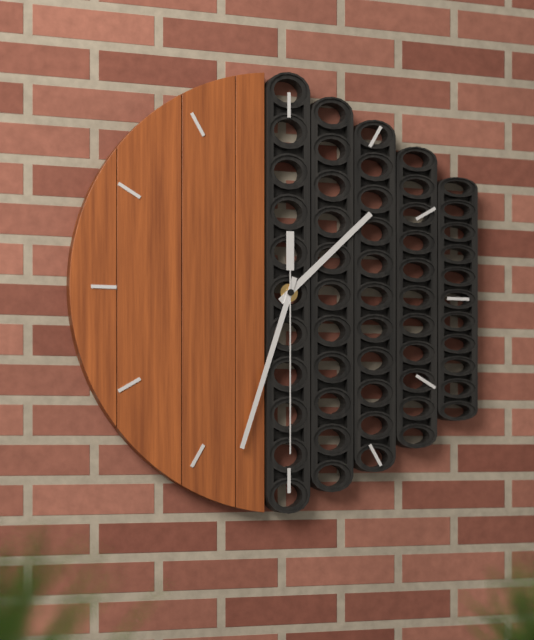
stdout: 1 h 33 min 30 s
